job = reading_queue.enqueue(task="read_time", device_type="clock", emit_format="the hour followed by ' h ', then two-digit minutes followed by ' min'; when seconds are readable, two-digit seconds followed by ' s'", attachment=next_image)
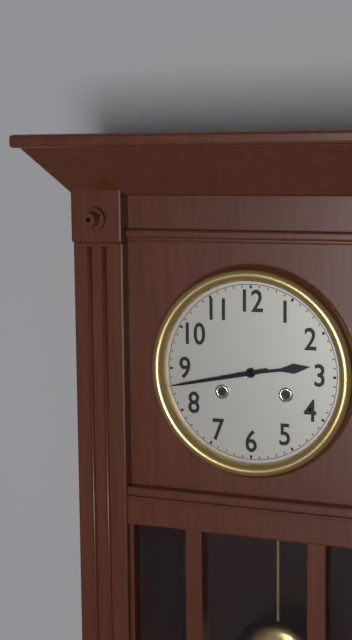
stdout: 2 h 43 min
